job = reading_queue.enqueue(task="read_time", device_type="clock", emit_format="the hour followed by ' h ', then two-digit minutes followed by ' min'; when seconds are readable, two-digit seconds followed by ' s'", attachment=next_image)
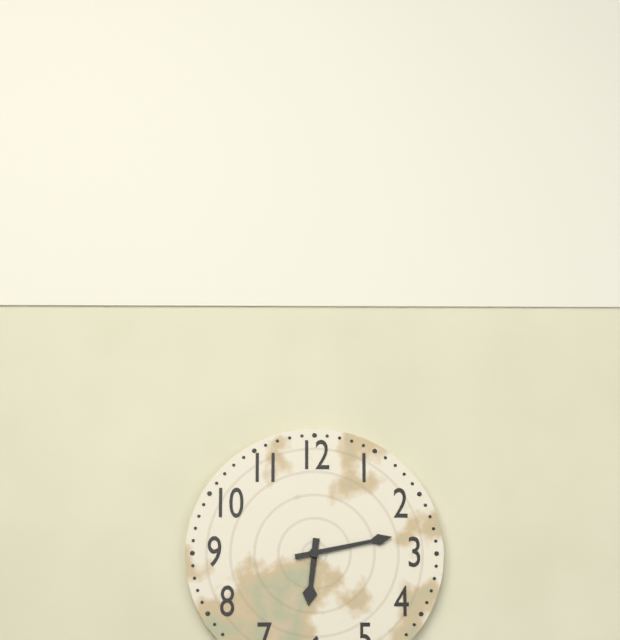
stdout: 6 h 13 min
